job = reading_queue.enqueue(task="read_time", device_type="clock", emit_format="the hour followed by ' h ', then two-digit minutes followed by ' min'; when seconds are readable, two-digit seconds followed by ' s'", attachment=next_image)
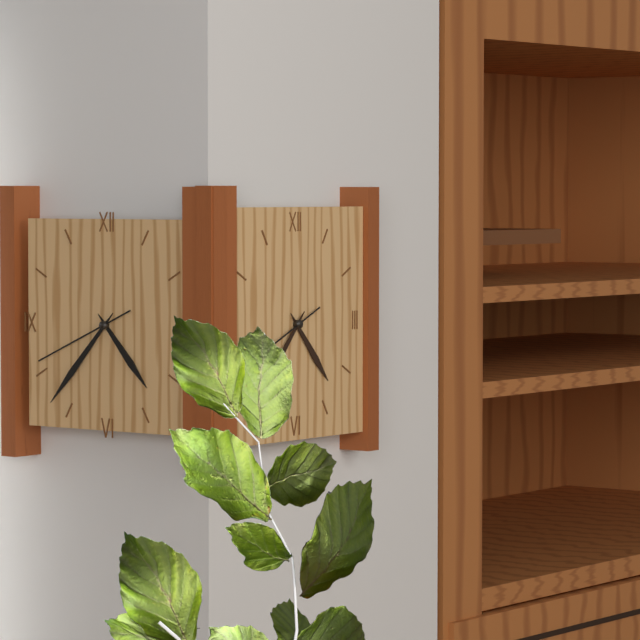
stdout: 4 h 37 min 41 s
